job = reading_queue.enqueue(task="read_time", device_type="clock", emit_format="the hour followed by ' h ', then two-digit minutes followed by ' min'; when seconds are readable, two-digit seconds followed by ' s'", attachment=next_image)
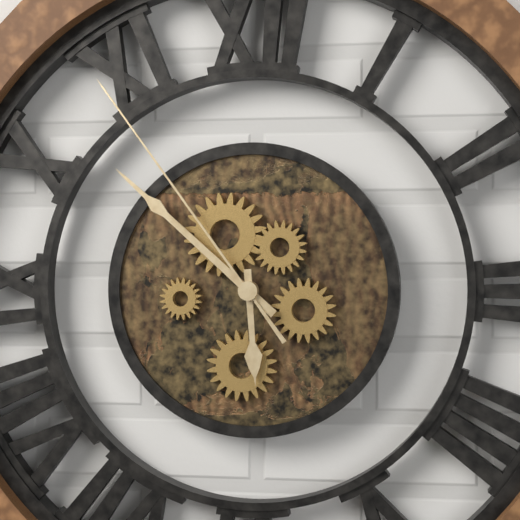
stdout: 5 h 52 min 54 s
